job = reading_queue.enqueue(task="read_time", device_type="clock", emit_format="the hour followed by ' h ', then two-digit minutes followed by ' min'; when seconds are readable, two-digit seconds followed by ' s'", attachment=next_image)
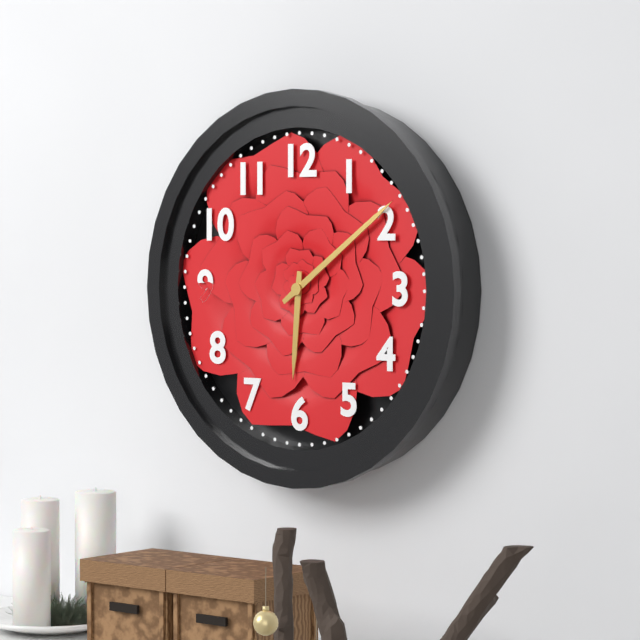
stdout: 6 h 09 min
